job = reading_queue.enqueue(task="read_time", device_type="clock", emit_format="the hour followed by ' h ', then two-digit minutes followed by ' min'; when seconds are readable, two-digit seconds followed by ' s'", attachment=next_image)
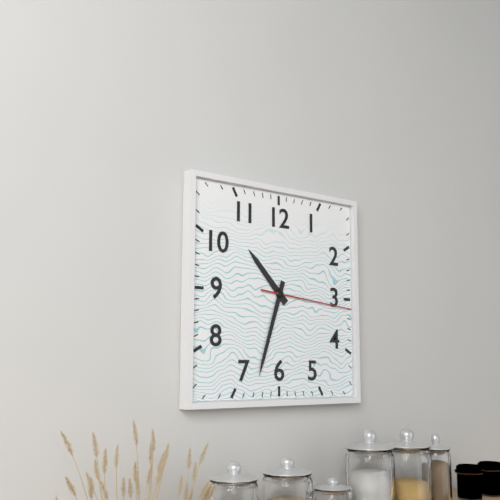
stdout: 10 h 33 min 16 s
